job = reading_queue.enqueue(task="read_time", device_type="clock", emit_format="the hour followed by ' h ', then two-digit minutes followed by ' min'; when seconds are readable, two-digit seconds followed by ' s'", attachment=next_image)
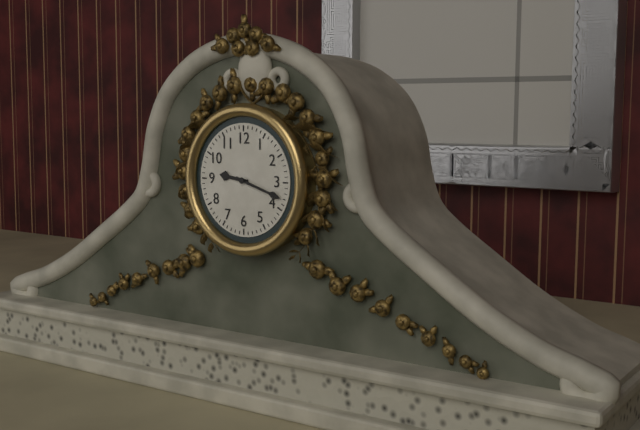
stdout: 9 h 18 min
